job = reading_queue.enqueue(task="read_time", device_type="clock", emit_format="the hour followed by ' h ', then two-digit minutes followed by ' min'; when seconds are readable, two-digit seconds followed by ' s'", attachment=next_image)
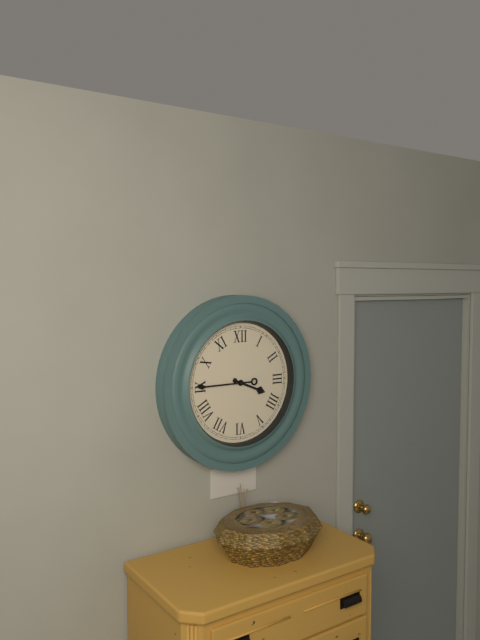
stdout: 3 h 45 min
